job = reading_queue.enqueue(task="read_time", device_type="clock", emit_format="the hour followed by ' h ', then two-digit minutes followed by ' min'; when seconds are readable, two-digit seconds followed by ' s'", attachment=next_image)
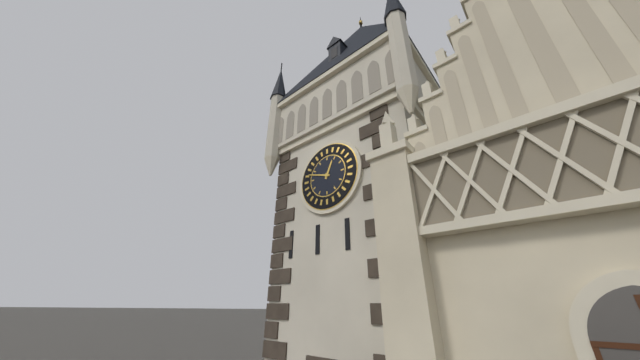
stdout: 12 h 48 min
